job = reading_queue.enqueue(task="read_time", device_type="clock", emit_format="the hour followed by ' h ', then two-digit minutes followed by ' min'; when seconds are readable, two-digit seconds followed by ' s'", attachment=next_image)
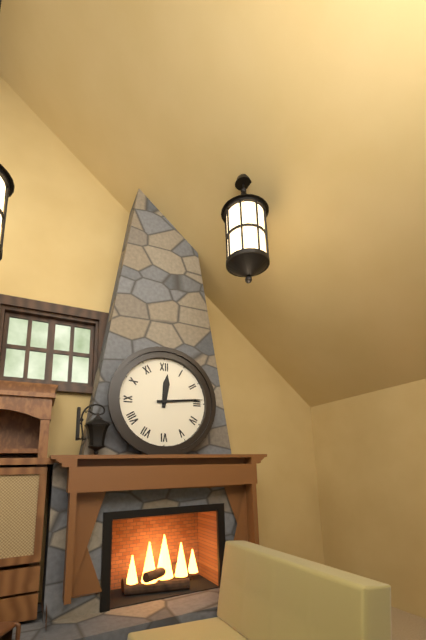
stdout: 12 h 14 min
